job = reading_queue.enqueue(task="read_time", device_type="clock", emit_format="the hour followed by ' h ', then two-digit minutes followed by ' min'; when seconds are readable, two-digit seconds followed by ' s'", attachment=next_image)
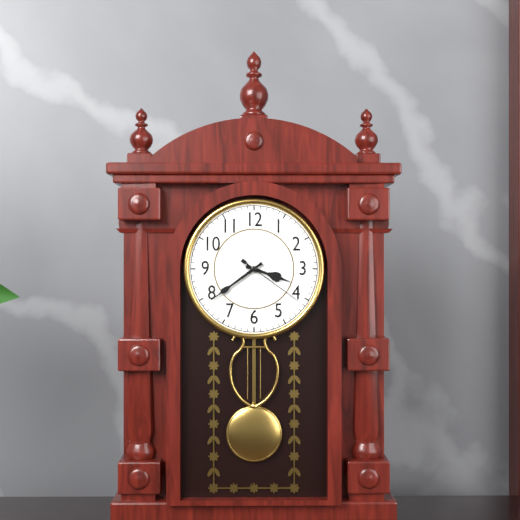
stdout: 3 h 39 min 21 s
